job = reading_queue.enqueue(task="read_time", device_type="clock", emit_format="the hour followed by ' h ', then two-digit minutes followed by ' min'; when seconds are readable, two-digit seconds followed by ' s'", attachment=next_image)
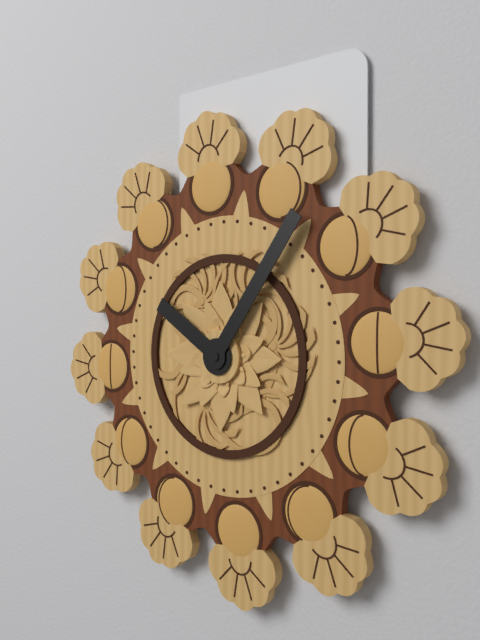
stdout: 10 h 06 min
